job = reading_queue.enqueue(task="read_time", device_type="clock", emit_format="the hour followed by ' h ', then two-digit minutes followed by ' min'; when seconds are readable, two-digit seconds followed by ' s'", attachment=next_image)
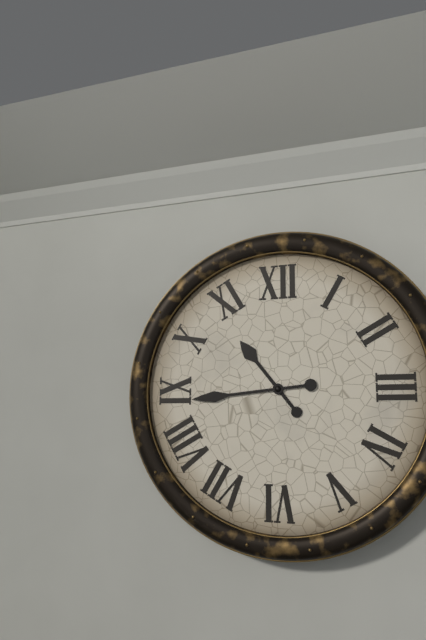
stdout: 10 h 44 min
